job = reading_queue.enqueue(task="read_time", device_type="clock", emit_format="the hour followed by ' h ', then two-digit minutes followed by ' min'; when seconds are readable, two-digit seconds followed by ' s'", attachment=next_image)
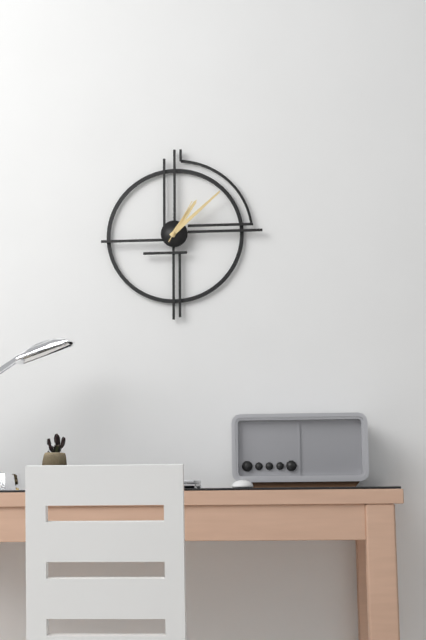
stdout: 1 h 08 min
